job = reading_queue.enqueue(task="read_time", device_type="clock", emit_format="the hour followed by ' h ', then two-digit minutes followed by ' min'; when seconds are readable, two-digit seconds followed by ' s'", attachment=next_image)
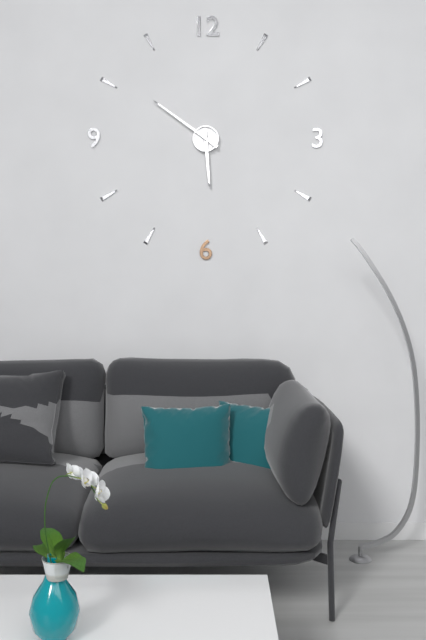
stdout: 5 h 51 min
